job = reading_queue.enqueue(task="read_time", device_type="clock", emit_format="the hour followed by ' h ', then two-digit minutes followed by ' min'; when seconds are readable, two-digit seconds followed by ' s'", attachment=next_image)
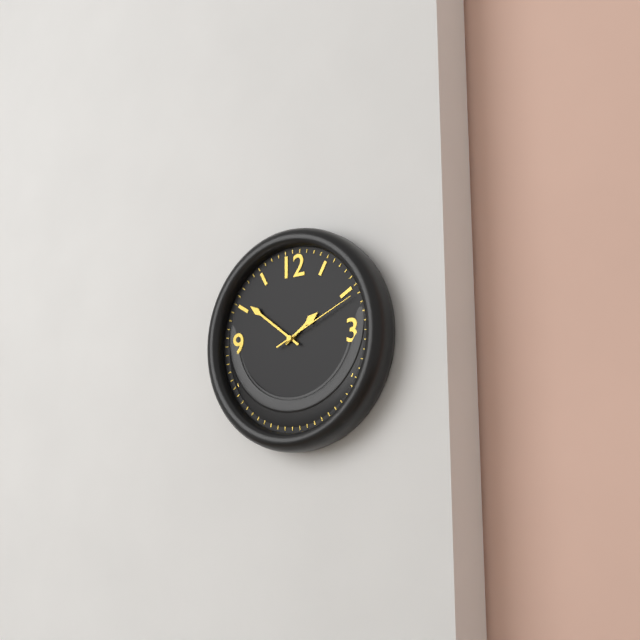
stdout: 1 h 51 min 11 s
